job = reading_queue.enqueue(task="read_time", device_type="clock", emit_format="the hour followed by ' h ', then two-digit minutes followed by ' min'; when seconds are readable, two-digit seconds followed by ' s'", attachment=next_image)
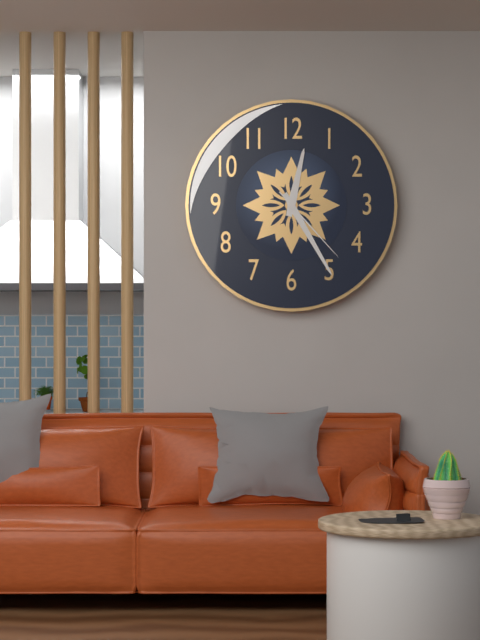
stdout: 12 h 25 min 23 s
